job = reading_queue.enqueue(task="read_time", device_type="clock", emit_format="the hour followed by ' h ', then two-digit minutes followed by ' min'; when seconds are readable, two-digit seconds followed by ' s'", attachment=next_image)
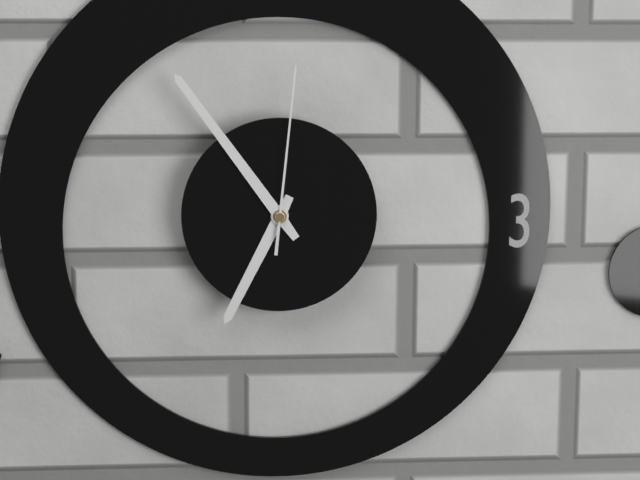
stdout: 6 h 54 min 01 s
